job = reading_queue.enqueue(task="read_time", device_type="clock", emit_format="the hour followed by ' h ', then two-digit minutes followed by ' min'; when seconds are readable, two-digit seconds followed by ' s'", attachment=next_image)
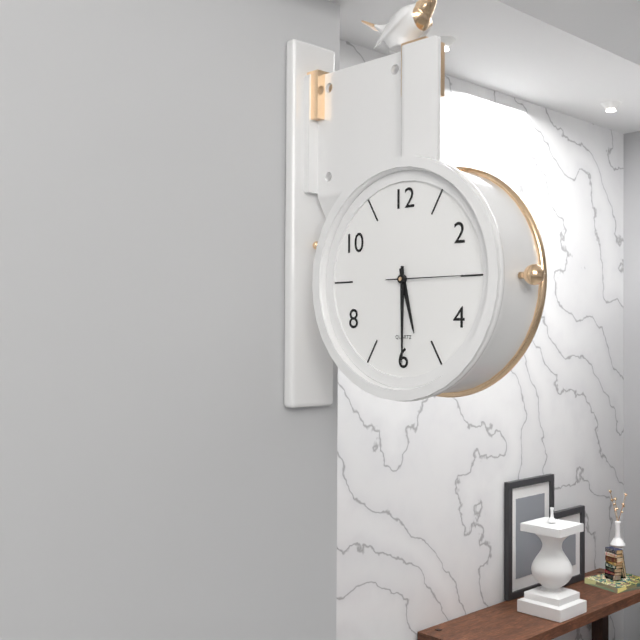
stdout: 5 h 30 min 15 s
